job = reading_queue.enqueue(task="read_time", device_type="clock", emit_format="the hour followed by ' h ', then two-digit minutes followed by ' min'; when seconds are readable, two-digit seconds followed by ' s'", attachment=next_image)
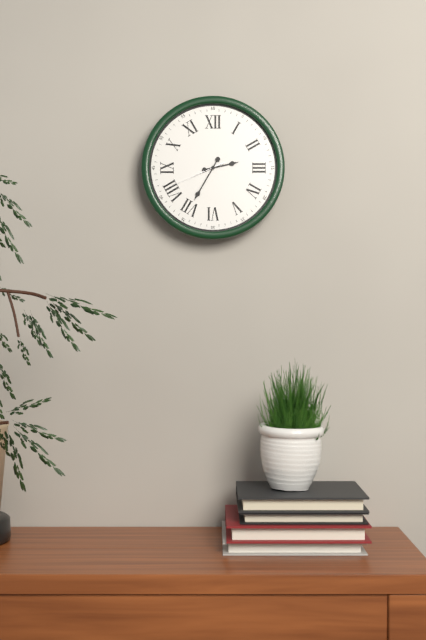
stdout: 2 h 35 min 41 s
